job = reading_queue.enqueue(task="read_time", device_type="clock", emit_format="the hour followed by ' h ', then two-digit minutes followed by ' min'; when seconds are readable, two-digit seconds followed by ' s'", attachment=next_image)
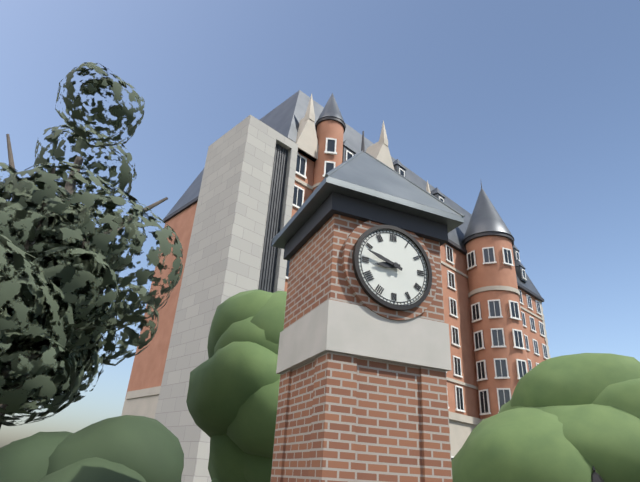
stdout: 8 h 48 min
